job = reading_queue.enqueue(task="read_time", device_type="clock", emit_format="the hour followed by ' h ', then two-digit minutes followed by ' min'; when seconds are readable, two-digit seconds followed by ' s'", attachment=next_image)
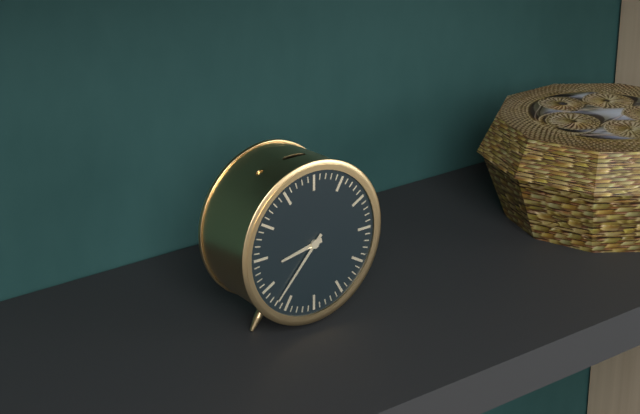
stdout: 8 h 37 min
